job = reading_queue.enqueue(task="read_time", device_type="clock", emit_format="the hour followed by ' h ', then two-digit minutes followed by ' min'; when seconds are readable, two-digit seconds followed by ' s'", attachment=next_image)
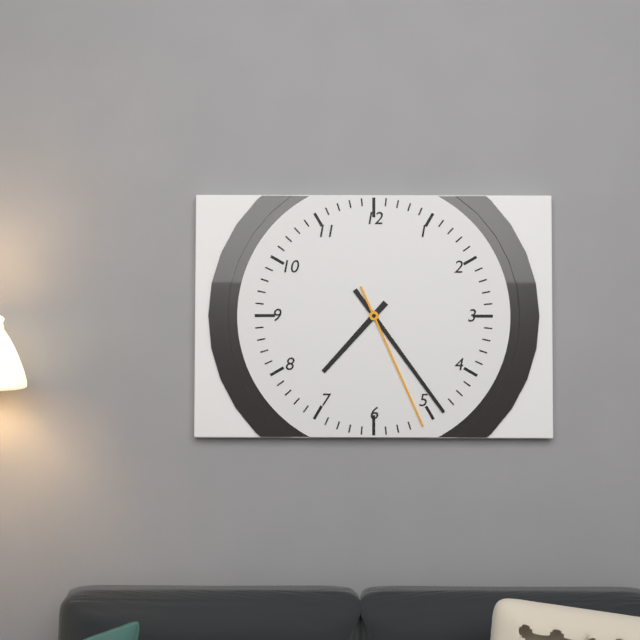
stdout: 7 h 24 min 26 s
